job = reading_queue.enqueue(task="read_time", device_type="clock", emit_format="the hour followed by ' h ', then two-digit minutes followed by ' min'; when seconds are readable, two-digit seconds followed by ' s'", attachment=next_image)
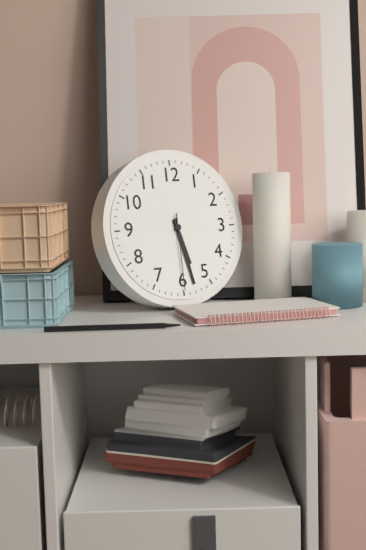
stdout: 5 h 28 min 30 s
